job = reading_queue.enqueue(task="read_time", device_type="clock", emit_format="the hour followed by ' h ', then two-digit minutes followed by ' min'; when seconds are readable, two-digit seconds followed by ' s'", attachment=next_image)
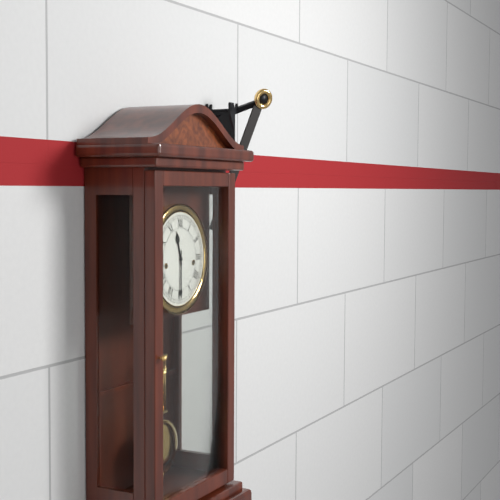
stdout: 11 h 30 min
